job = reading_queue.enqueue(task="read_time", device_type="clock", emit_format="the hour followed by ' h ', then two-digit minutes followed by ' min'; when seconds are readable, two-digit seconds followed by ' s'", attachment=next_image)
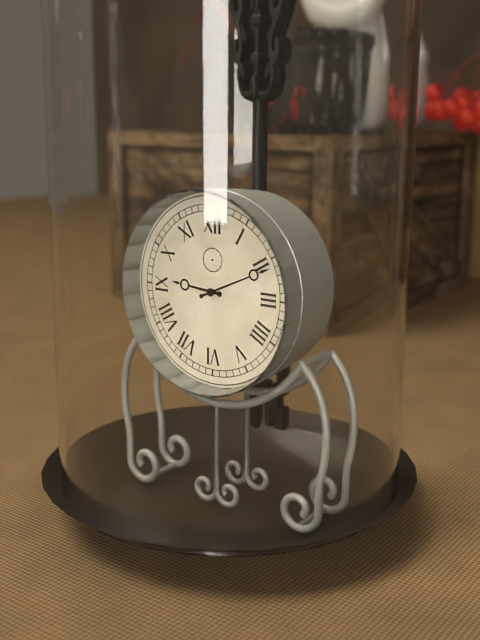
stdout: 9 h 11 min
